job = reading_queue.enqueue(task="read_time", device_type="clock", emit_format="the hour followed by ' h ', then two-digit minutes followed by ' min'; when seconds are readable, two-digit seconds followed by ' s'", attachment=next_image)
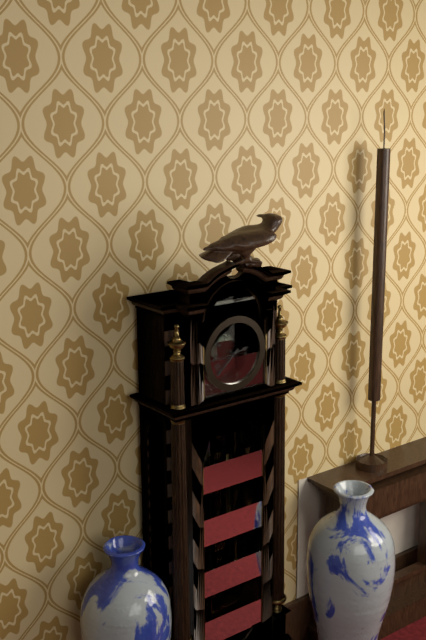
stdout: 2 h 38 min
